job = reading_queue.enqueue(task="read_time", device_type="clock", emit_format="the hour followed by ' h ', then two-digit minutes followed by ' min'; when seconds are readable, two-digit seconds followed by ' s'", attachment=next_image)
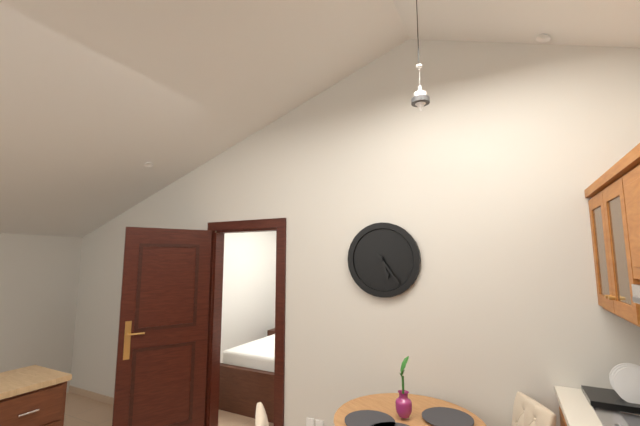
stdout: 5 h 24 min
